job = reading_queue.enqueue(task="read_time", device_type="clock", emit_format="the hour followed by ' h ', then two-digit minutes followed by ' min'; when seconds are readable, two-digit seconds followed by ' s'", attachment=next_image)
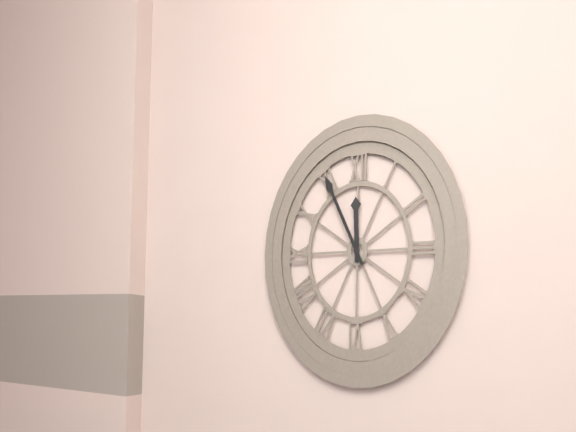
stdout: 11 h 55 min
